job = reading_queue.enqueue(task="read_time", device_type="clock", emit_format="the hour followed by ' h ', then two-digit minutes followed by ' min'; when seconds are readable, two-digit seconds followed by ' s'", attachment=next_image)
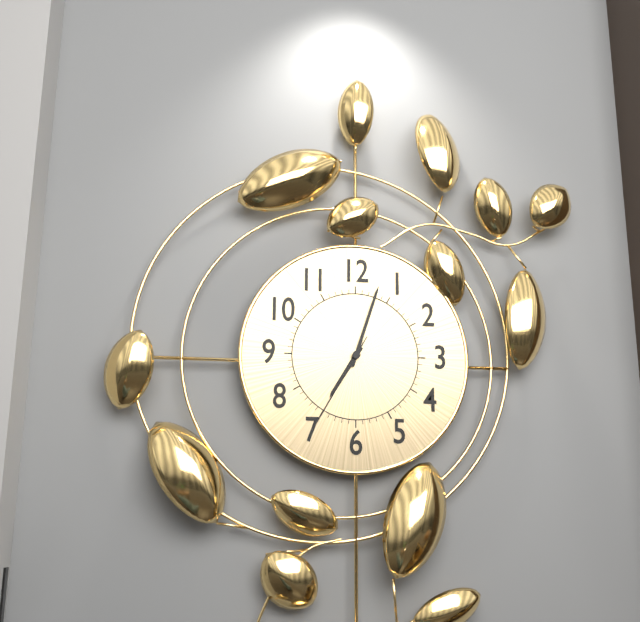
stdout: 7 h 03 min 35 s
